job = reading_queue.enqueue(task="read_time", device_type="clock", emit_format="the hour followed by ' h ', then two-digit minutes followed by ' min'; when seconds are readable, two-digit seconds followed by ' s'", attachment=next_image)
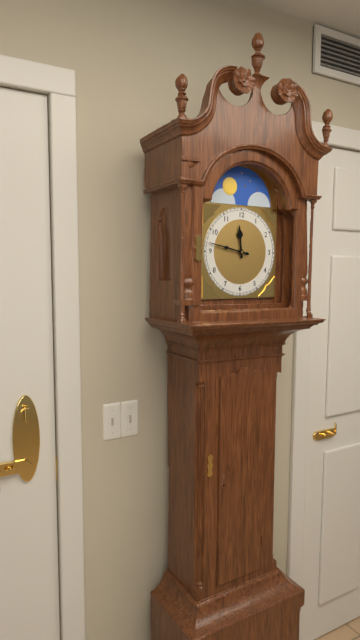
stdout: 11 h 47 min
